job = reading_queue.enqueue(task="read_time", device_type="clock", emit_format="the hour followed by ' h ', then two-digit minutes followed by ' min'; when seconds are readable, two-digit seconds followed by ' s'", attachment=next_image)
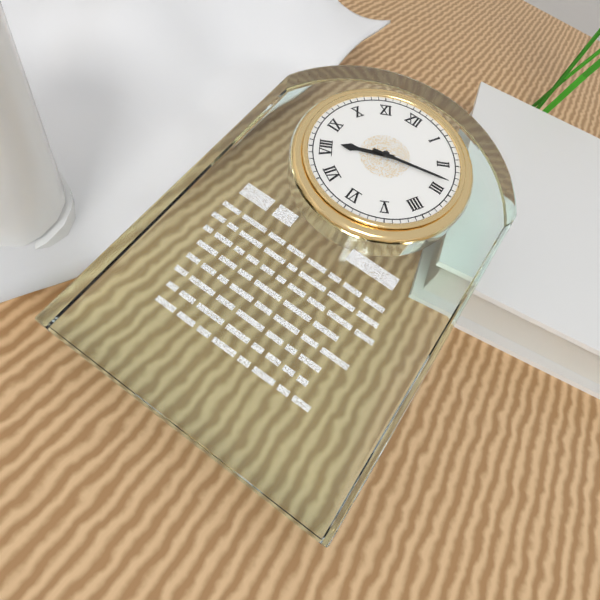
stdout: 8 h 13 min
